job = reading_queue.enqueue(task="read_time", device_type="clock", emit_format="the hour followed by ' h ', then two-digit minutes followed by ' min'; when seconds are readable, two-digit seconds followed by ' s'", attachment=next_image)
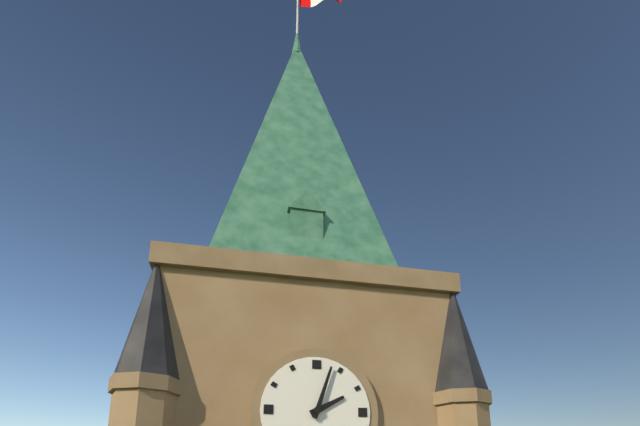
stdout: 2 h 03 min
